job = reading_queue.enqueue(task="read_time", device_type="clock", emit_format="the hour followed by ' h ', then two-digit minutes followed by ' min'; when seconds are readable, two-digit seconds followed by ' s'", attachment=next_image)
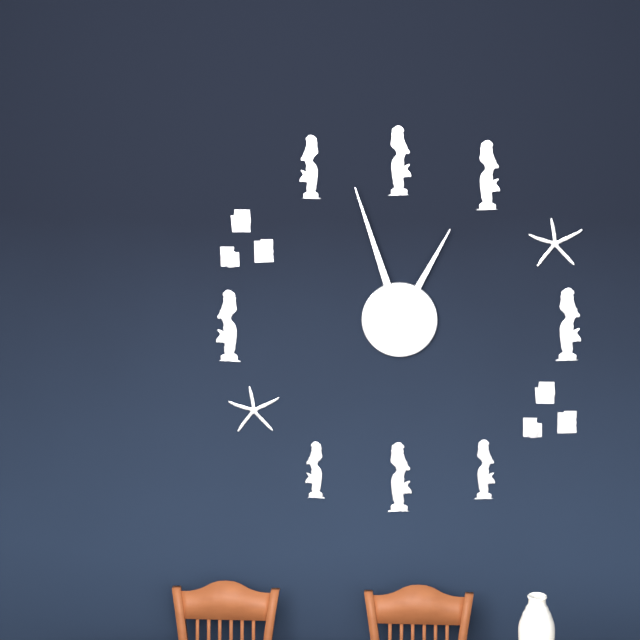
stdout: 12 h 57 min
